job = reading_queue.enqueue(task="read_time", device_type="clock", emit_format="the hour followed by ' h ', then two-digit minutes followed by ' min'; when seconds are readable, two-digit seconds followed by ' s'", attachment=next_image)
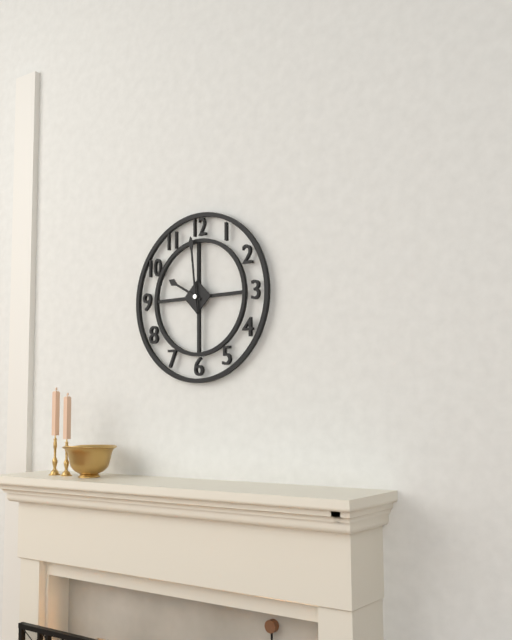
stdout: 9 h 59 min
